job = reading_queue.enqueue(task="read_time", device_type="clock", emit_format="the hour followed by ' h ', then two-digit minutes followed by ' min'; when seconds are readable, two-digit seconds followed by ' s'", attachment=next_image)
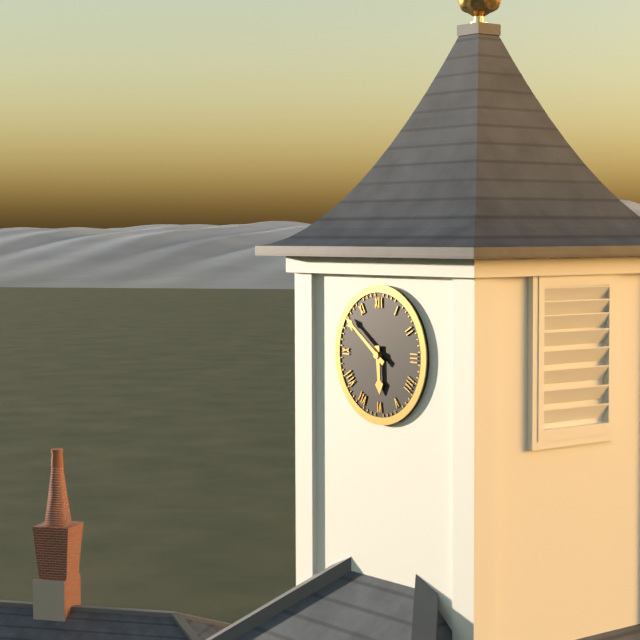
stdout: 5 h 51 min
